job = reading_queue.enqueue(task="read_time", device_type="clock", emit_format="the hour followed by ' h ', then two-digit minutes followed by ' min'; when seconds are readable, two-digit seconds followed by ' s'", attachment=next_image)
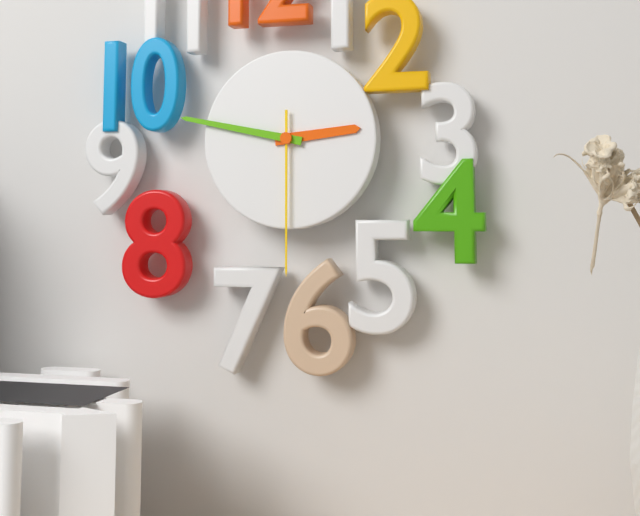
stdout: 2 h 47 min 30 s
